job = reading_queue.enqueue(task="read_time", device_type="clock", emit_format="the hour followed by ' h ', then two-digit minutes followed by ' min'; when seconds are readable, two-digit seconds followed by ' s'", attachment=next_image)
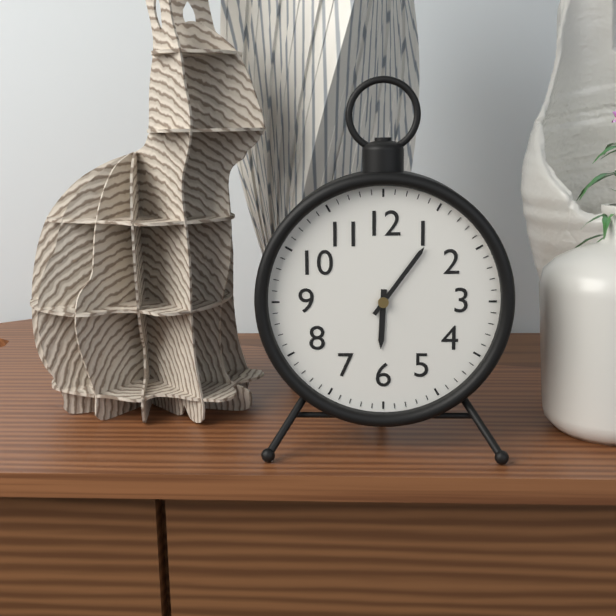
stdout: 6 h 06 min
